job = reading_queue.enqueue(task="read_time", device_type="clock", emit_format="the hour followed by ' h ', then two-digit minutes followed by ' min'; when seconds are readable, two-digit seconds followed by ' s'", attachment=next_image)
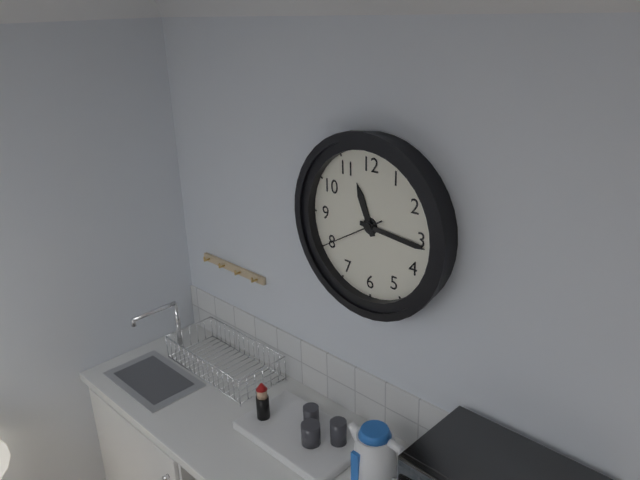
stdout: 11 h 16 min 40 s
